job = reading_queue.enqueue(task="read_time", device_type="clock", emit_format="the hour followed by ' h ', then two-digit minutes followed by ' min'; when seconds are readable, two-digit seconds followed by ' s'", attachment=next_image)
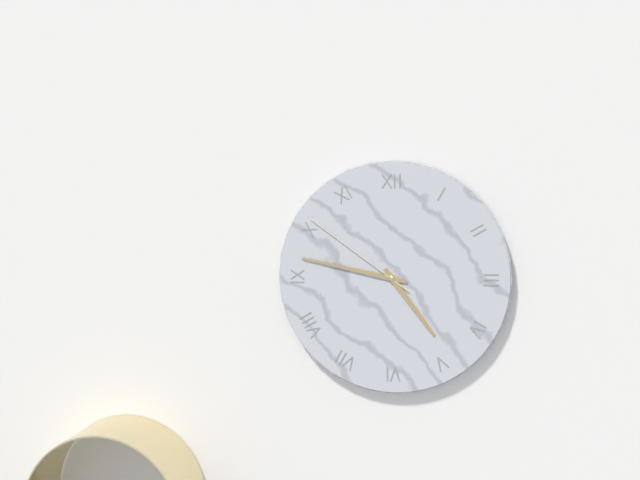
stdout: 4 h 47 min 51 s
